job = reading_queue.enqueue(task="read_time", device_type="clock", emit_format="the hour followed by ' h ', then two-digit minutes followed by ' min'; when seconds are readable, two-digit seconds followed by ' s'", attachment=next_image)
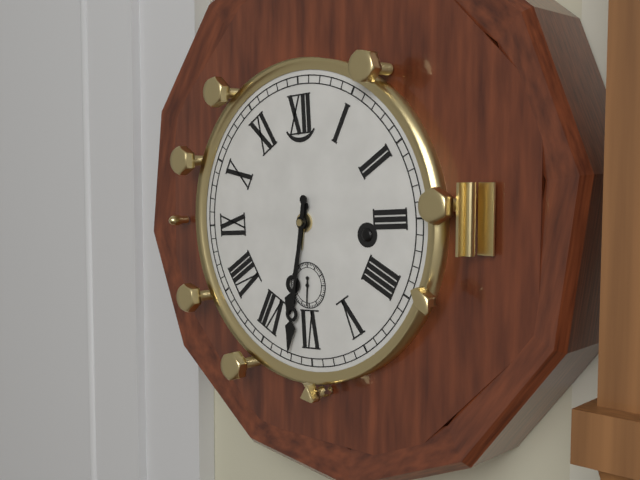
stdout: 6 h 32 min
